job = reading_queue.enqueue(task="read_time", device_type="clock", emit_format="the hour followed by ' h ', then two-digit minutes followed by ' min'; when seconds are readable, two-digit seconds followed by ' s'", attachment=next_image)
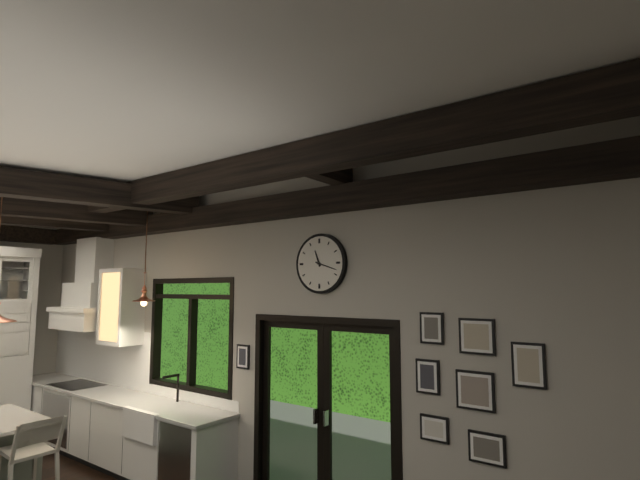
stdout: 11 h 18 min
